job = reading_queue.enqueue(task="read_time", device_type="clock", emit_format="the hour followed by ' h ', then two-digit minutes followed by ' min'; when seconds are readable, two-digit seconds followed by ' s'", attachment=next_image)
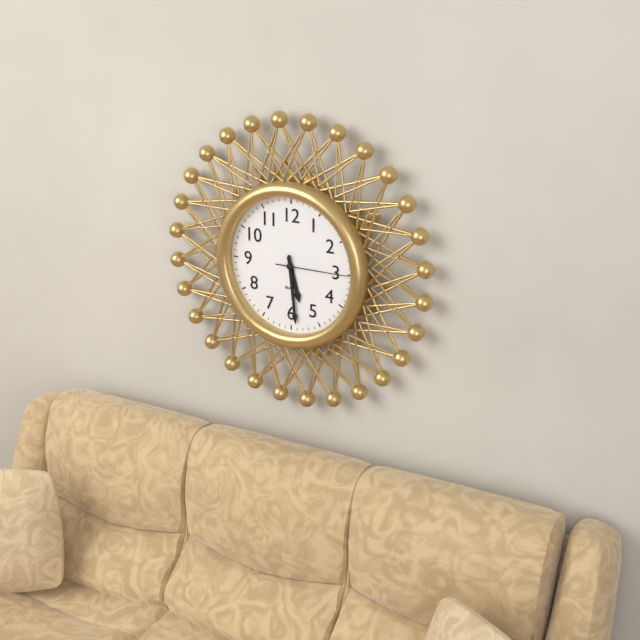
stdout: 5 h 29 min 15 s
